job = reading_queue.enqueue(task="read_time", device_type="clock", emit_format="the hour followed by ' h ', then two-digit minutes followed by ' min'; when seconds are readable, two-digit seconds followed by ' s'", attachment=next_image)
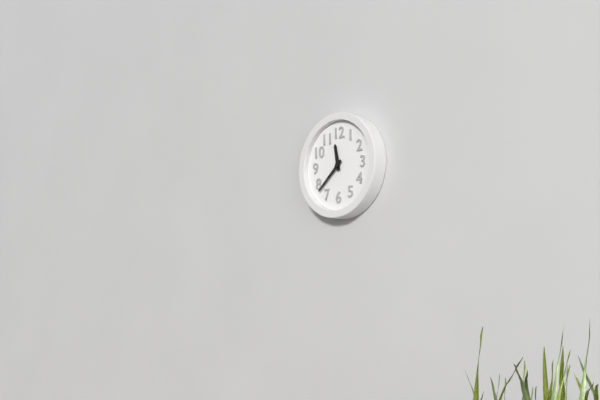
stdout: 11 h 38 min
